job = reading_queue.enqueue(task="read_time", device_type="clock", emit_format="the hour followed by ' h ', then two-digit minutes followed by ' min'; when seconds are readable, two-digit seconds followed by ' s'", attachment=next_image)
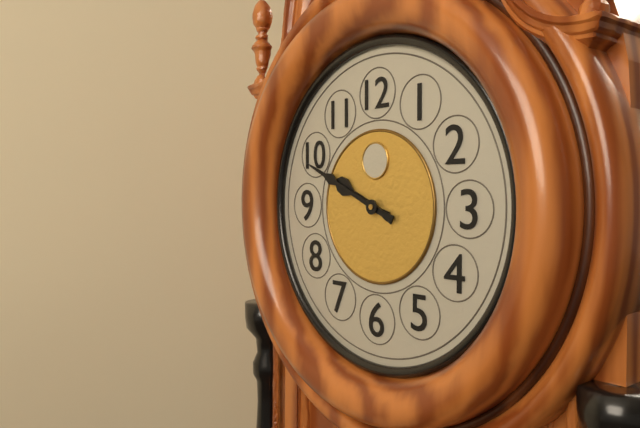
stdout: 9 h 49 min
